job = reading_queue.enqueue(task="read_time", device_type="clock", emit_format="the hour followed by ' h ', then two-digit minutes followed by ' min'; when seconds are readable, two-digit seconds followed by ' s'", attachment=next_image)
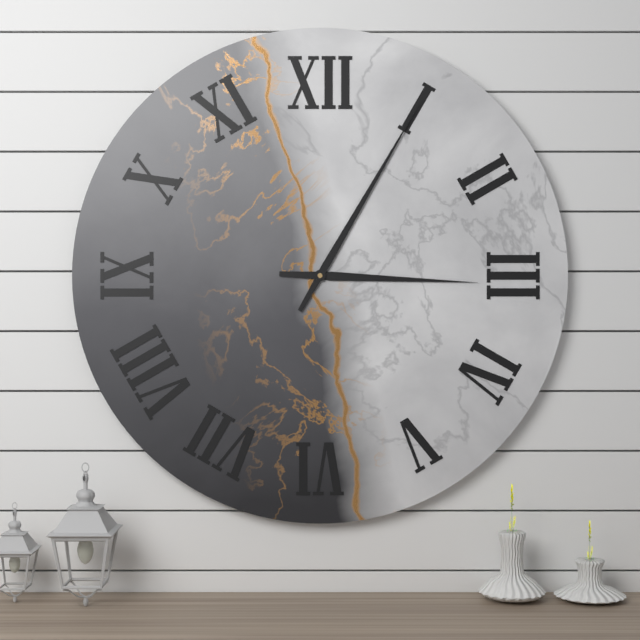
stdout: 3 h 05 min
